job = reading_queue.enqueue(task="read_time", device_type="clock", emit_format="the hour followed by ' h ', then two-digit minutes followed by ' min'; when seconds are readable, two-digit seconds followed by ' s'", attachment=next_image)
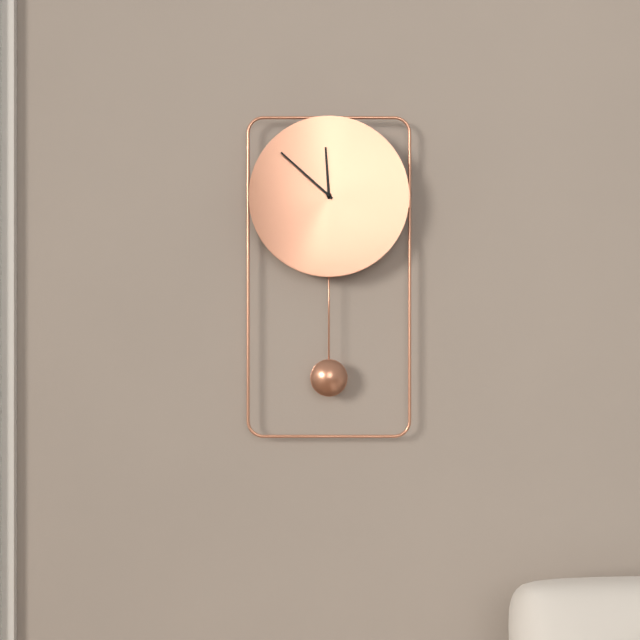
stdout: 11 h 52 min
